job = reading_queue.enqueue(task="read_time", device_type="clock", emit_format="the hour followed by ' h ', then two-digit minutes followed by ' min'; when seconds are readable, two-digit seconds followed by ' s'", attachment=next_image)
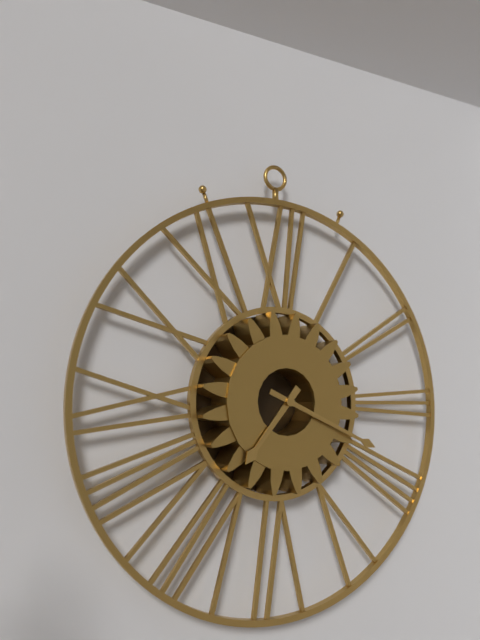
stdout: 7 h 19 min
